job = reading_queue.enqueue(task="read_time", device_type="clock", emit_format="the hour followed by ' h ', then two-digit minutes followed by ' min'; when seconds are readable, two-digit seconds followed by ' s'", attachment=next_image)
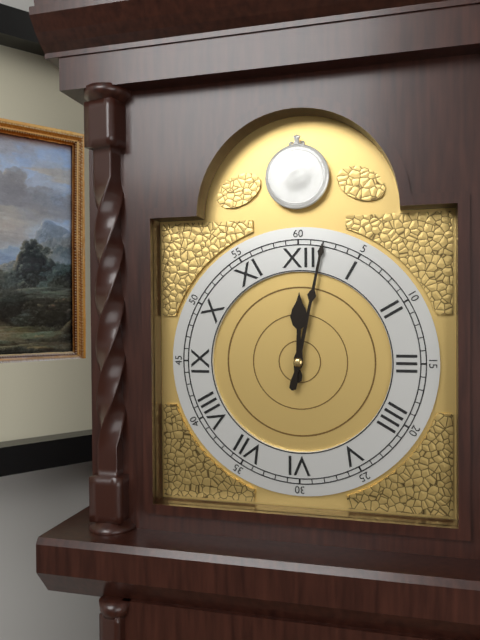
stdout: 12 h 02 min
